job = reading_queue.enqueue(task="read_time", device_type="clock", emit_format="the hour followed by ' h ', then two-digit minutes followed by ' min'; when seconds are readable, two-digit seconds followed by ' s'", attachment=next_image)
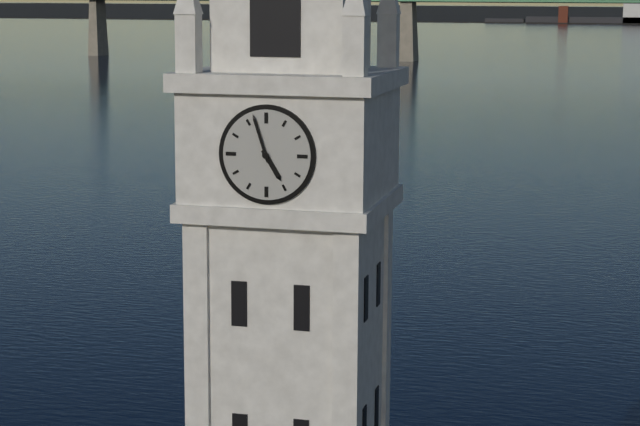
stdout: 4 h 57 min
